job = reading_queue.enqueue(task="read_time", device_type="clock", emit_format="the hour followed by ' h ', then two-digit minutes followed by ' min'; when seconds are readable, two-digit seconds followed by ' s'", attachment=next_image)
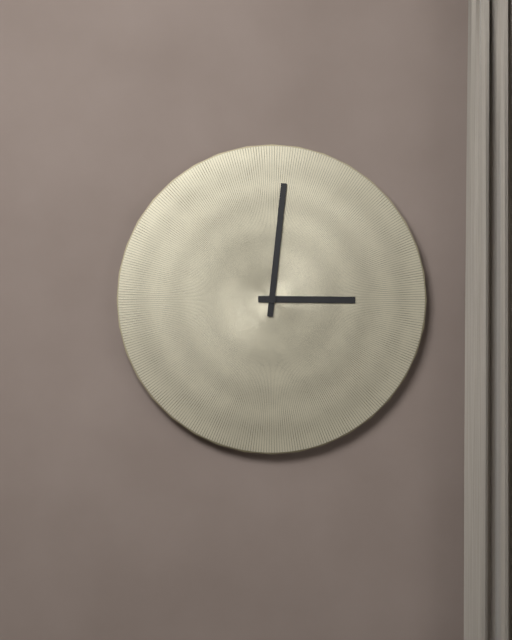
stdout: 3 h 01 min
